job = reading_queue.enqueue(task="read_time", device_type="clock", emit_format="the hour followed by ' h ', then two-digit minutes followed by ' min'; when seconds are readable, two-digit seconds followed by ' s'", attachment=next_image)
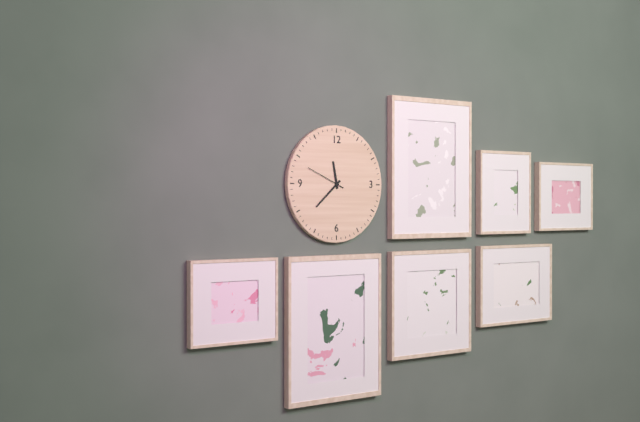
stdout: 11 h 38 min
